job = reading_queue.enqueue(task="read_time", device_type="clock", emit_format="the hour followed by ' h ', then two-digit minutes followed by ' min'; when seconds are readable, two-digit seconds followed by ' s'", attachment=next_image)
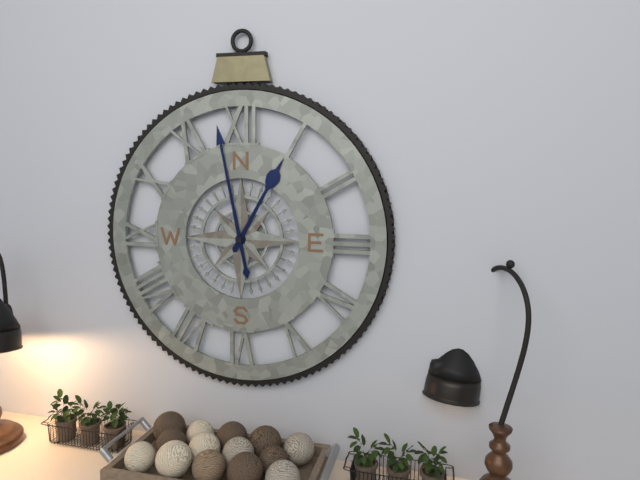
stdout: 12 h 58 min
